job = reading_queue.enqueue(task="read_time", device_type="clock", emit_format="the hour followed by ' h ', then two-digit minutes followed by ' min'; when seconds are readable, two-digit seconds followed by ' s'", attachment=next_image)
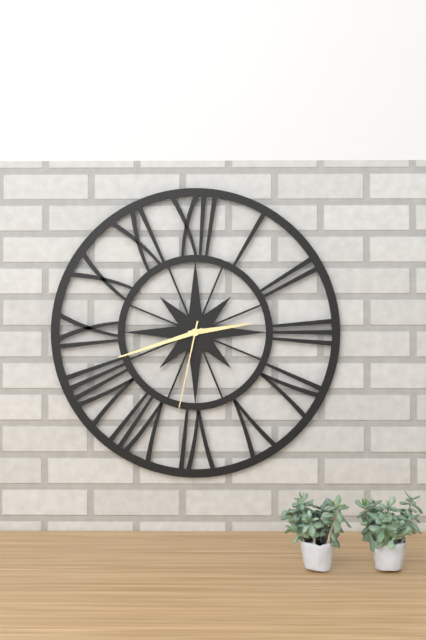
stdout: 2 h 42 min 32 s
